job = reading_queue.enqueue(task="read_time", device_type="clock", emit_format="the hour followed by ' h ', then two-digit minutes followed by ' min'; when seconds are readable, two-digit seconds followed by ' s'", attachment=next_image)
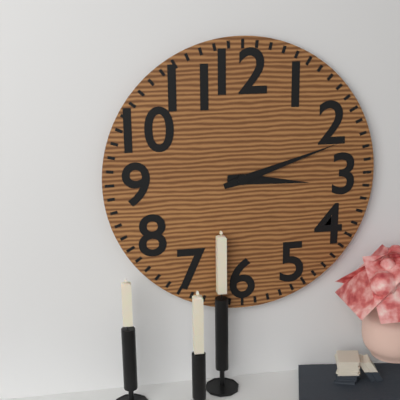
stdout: 3 h 12 min
